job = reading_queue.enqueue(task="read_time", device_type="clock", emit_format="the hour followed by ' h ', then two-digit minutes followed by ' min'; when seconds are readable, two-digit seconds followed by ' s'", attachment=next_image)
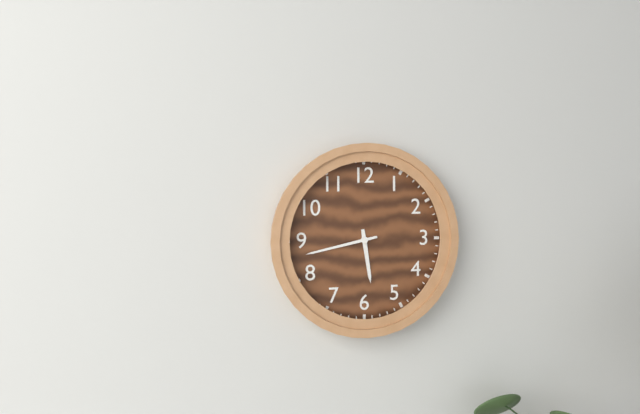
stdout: 5 h 43 min
